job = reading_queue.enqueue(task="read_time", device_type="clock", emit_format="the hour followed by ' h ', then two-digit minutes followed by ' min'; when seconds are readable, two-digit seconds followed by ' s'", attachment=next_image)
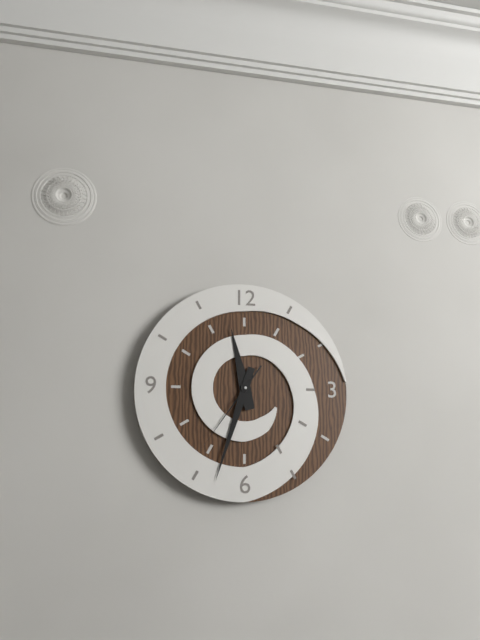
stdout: 11 h 33 min 36 s
